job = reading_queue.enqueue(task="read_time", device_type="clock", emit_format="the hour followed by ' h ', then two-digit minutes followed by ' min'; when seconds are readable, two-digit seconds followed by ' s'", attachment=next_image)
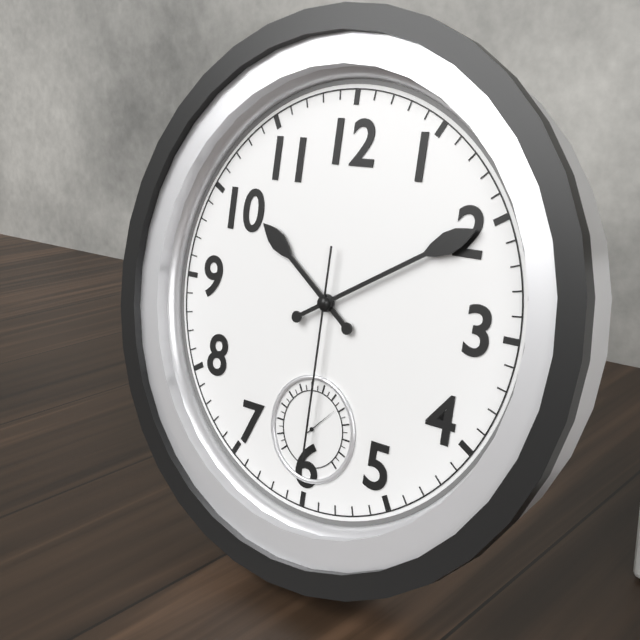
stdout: 10 h 10 min 30 s
